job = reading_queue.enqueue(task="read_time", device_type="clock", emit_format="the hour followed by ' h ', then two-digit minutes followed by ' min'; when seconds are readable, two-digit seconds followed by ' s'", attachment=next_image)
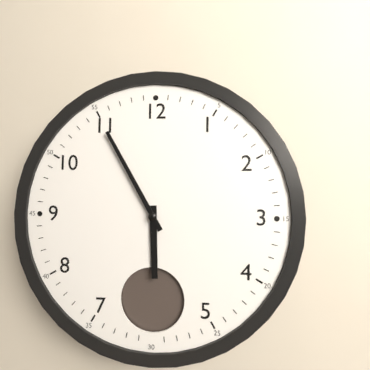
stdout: 5 h 55 min
